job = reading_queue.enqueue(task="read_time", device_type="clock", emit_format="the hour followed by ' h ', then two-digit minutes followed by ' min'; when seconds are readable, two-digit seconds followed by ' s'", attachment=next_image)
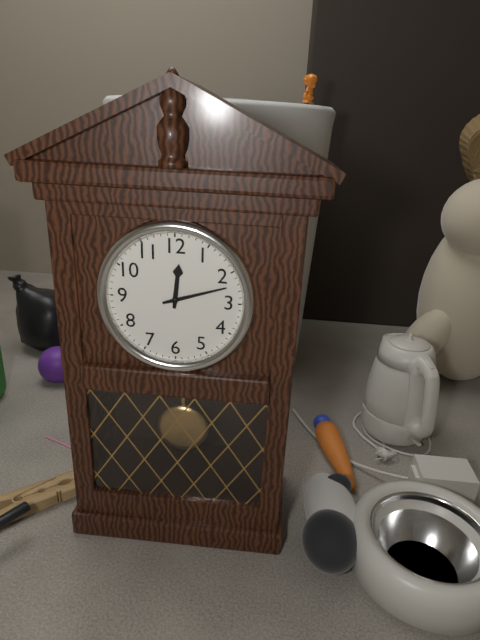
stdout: 12 h 12 min
